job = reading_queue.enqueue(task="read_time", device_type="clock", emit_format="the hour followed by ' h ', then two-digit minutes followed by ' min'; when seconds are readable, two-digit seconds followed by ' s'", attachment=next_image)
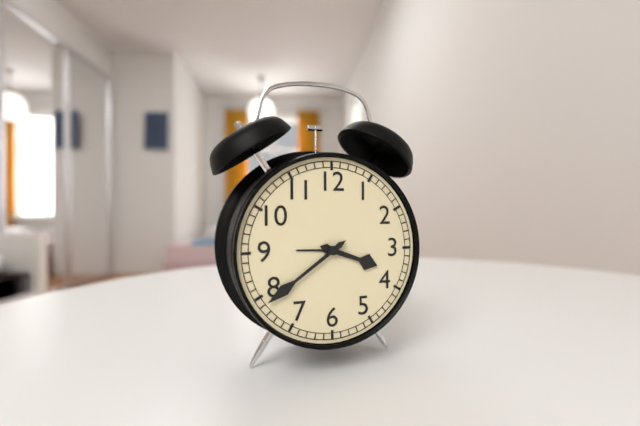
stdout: 3 h 39 min
